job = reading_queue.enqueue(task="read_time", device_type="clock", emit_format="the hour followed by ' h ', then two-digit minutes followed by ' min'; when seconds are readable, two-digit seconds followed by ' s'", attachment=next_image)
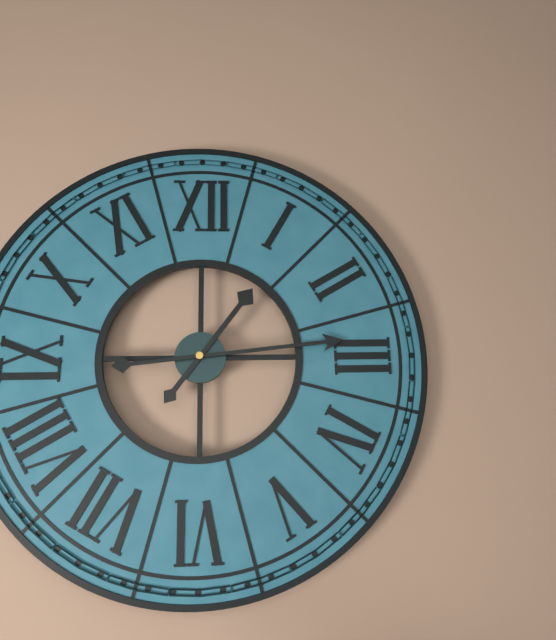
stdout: 1 h 14 min
